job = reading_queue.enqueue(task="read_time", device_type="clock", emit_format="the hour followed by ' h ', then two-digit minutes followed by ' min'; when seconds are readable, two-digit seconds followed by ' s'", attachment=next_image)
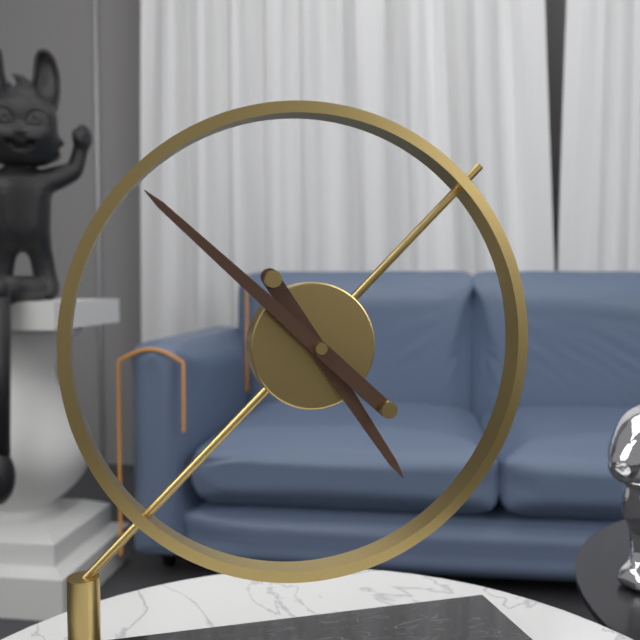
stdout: 4 h 52 min
